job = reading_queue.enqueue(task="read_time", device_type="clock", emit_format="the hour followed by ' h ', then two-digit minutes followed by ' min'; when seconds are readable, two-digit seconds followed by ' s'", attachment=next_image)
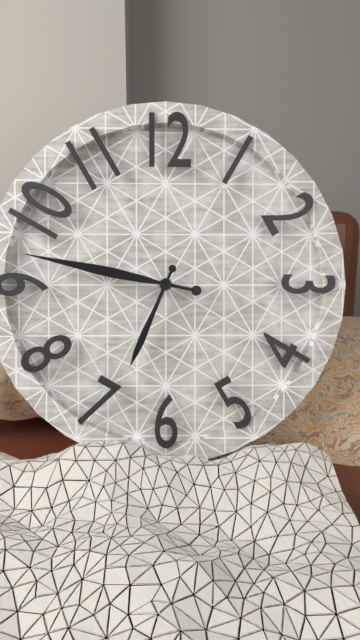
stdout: 6 h 47 min
